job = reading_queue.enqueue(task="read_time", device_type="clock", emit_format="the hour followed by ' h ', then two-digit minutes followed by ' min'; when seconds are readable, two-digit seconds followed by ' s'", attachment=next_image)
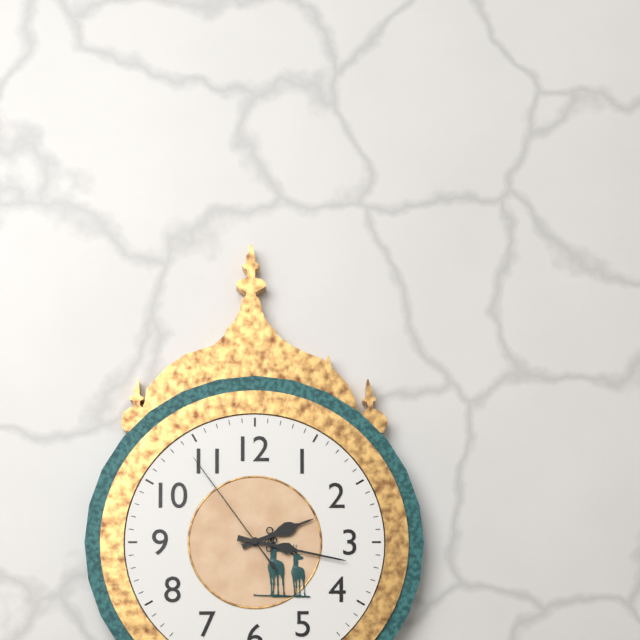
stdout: 2 h 17 min 54 s
